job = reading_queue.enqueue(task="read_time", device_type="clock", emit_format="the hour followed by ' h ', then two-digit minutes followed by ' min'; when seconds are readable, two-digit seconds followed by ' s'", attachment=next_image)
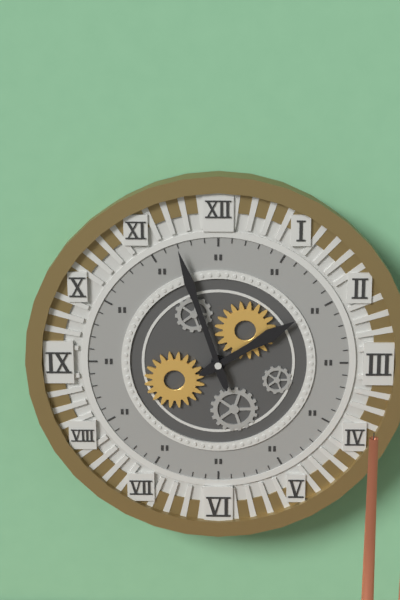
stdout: 1 h 57 min
